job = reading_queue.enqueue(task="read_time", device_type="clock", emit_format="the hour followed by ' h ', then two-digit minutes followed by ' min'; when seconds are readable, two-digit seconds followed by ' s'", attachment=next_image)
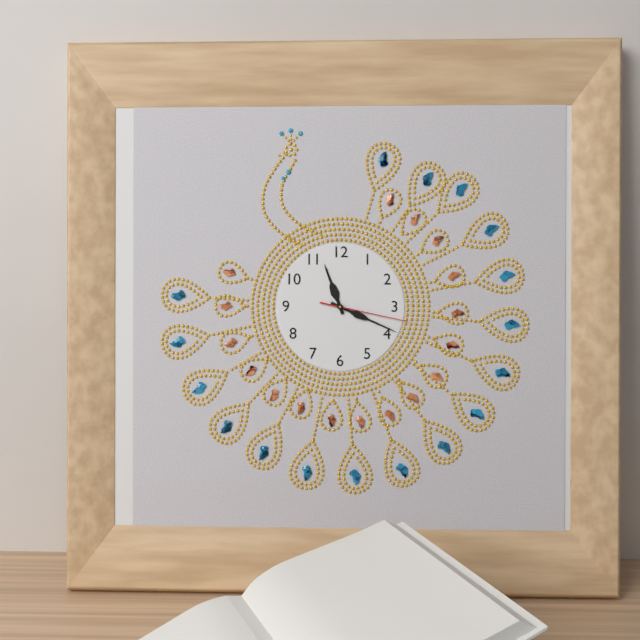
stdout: 11 h 19 min 17 s
